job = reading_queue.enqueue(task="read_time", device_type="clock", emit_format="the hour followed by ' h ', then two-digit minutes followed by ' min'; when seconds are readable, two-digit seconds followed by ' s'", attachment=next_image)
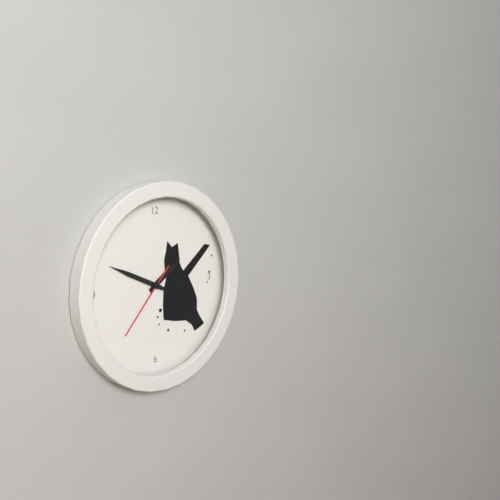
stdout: 1 h 49 min 37 s
